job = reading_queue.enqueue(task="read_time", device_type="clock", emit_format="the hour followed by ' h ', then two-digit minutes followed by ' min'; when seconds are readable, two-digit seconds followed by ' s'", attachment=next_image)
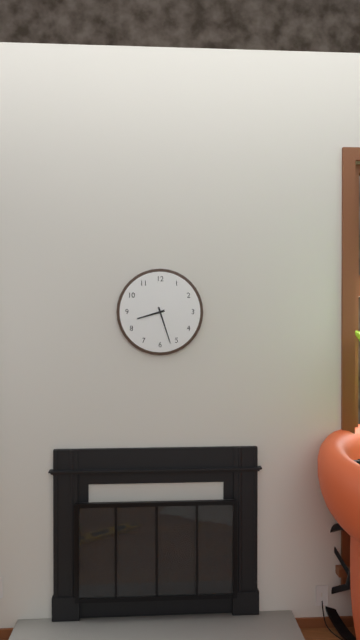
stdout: 8 h 27 min
